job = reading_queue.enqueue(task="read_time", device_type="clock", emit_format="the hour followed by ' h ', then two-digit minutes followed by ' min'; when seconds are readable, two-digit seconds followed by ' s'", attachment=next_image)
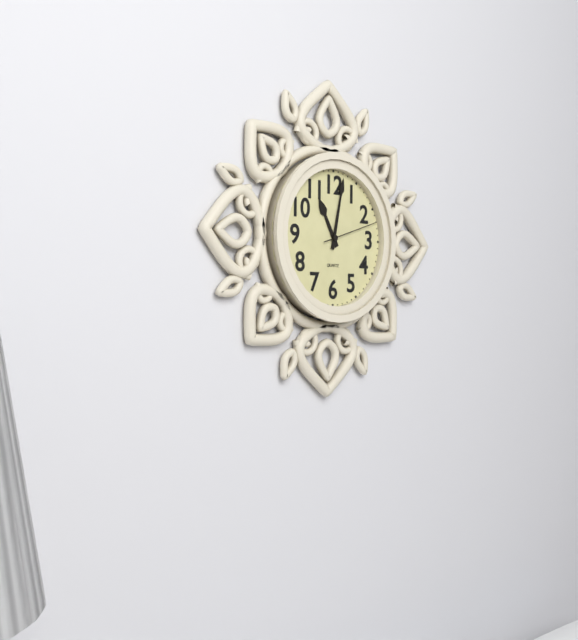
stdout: 11 h 02 min 12 s
